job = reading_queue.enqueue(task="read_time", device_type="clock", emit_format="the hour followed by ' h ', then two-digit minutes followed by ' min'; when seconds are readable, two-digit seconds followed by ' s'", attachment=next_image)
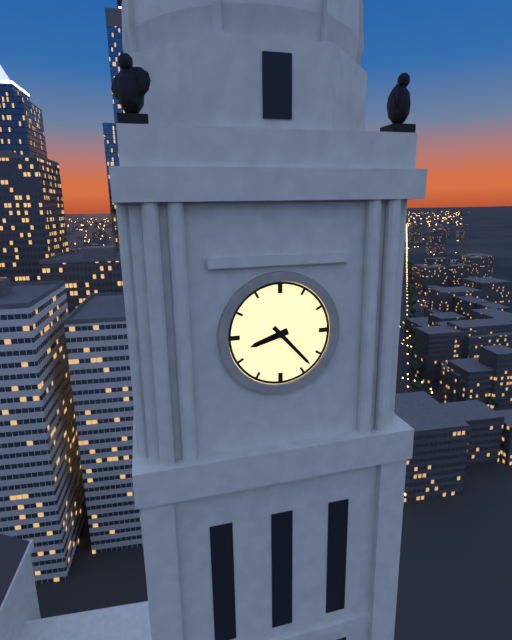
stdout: 8 h 23 min
